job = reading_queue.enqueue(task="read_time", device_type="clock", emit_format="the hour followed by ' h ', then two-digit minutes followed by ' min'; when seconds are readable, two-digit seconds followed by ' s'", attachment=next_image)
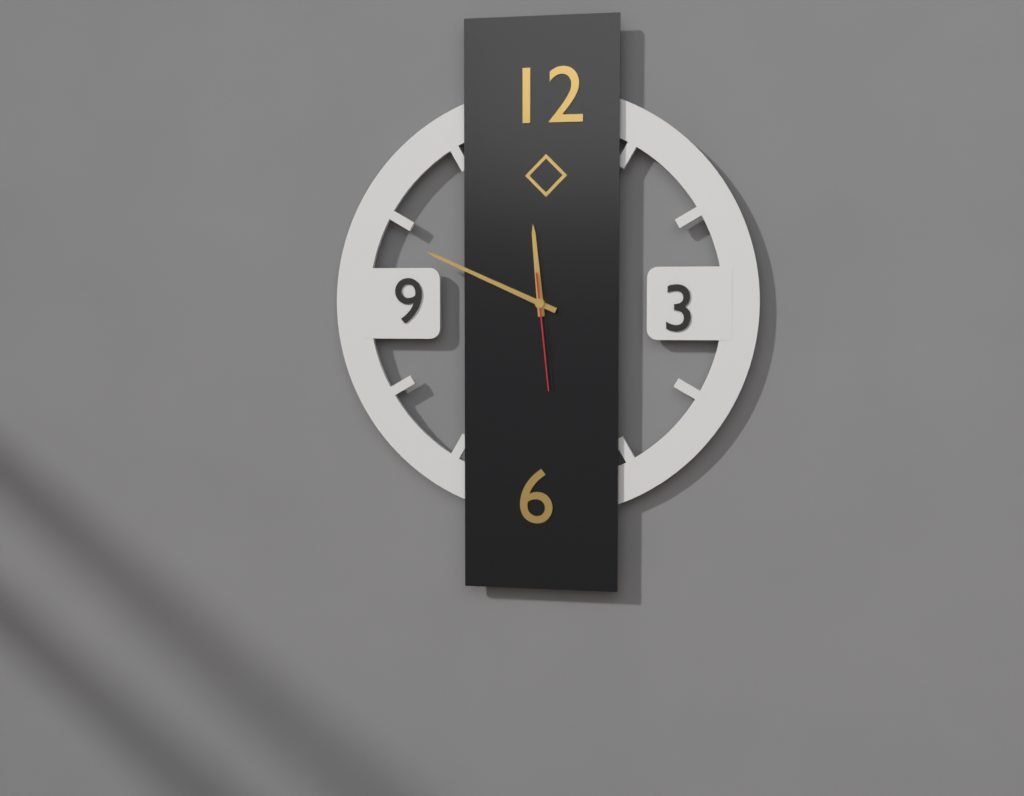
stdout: 11 h 49 min 29 s
